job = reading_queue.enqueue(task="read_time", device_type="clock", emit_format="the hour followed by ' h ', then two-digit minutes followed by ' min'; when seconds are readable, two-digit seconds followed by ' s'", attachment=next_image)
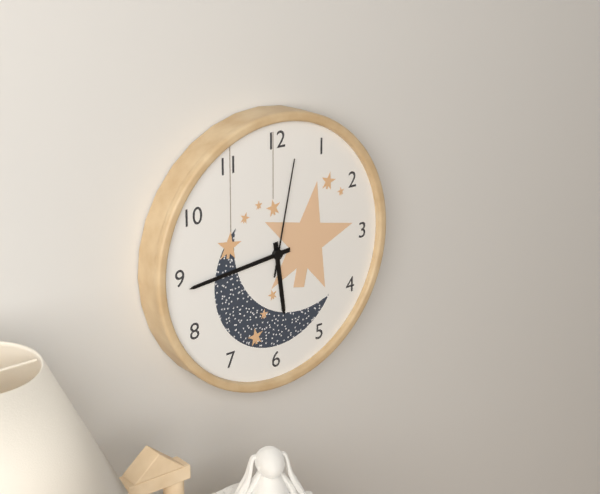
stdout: 5 h 44 min 02 s
